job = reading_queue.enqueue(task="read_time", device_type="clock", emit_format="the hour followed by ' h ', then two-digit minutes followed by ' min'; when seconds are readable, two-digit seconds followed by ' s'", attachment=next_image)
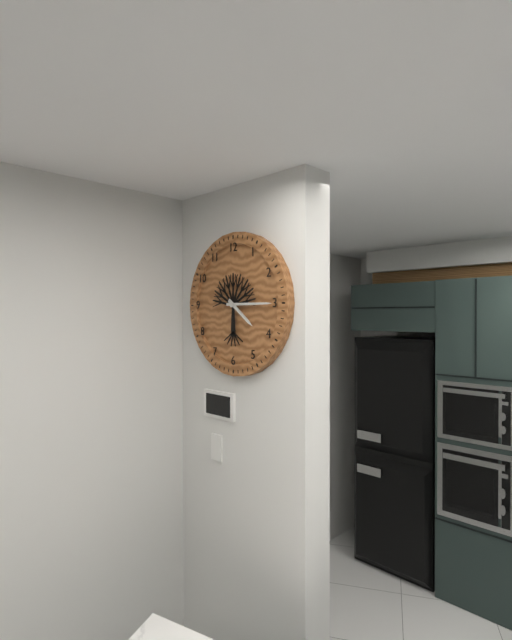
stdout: 4 h 15 min
